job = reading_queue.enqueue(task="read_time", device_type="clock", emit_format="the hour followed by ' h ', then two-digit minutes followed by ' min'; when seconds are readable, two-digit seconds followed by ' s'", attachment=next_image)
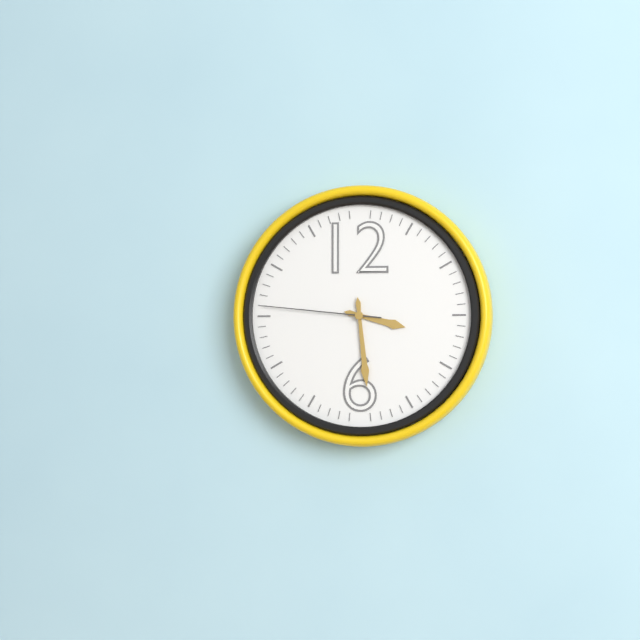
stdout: 3 h 29 min 46 s
